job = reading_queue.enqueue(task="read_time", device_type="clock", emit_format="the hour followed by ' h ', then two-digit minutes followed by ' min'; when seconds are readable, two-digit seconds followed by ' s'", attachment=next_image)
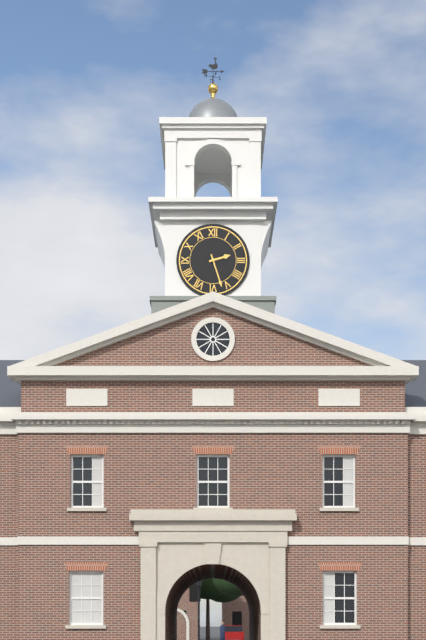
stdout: 2 h 27 min
